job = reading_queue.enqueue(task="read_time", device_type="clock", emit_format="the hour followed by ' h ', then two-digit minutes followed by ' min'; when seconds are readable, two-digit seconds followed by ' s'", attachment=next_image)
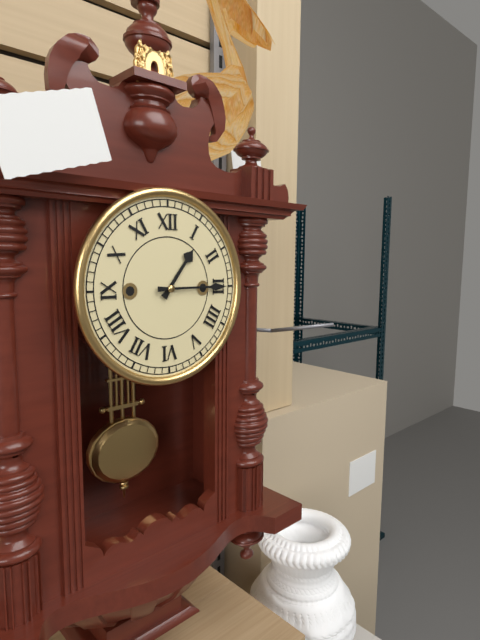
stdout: 1 h 15 min
